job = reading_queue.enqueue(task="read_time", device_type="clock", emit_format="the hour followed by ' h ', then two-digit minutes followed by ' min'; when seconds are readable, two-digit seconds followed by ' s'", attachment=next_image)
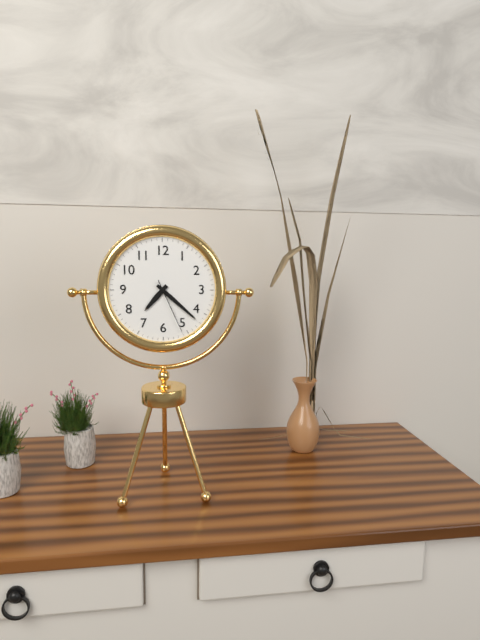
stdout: 7 h 22 min 26 s
